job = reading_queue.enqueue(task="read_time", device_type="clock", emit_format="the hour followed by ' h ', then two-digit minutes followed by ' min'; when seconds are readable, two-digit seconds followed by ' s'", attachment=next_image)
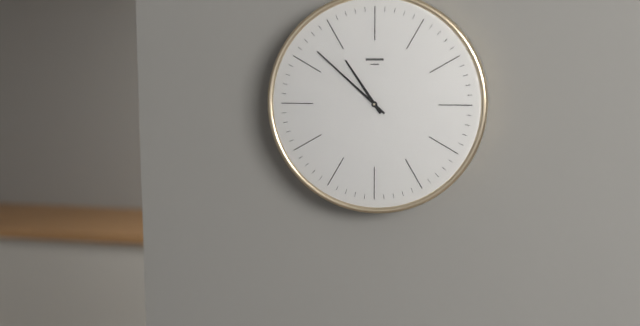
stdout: 10 h 52 min
